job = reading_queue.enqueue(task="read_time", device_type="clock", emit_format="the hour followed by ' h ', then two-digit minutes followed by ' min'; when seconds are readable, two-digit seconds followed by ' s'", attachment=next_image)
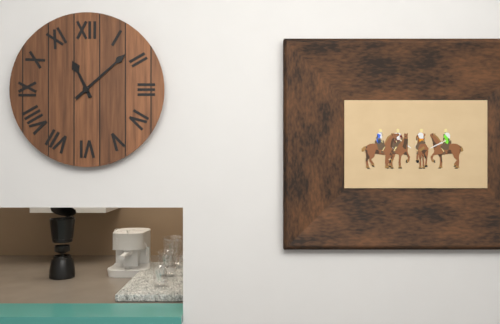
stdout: 11 h 08 min
